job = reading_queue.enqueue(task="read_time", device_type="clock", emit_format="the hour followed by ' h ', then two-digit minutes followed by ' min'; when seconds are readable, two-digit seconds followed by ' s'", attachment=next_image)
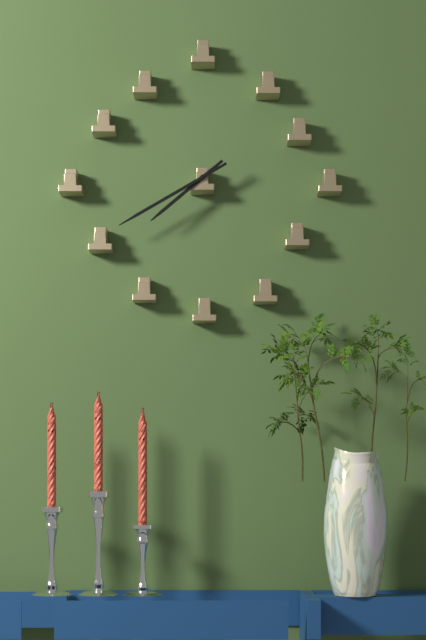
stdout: 7 h 40 min
